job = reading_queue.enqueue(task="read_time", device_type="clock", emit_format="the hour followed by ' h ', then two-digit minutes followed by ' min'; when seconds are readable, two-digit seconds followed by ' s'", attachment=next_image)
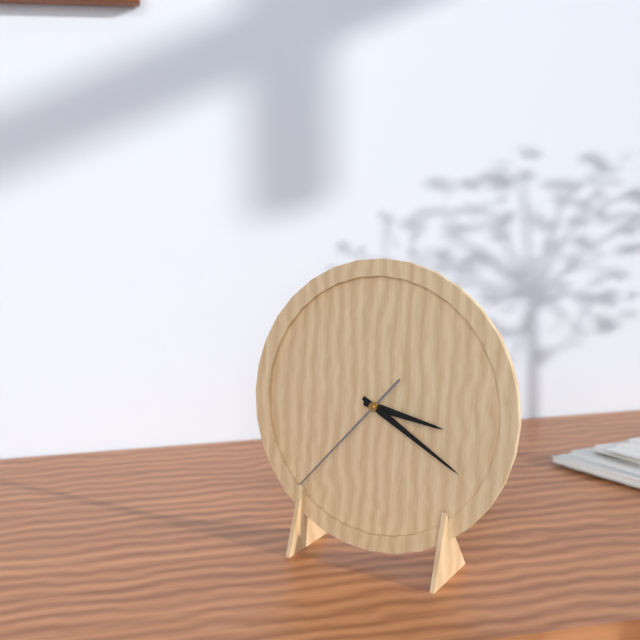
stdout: 3 h 20 min 37 s
